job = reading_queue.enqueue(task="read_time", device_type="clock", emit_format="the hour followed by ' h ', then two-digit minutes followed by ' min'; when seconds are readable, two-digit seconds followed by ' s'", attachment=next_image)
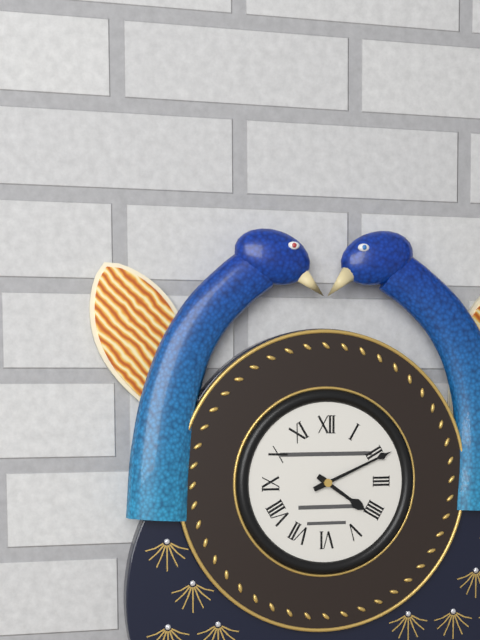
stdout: 4 h 11 min
